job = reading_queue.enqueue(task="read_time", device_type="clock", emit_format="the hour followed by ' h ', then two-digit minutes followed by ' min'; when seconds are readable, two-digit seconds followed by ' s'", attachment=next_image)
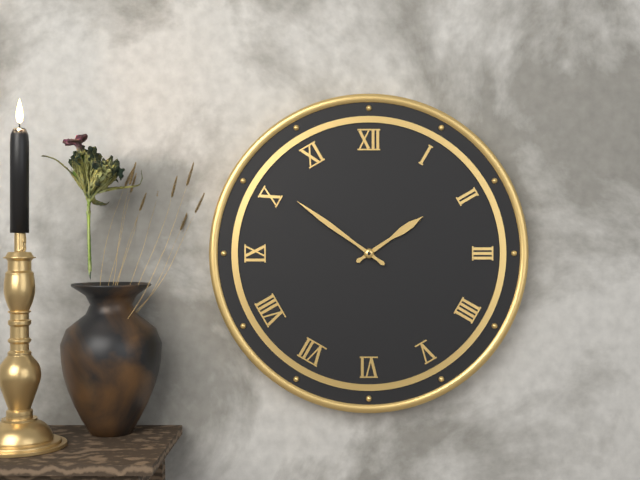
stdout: 1 h 51 min
